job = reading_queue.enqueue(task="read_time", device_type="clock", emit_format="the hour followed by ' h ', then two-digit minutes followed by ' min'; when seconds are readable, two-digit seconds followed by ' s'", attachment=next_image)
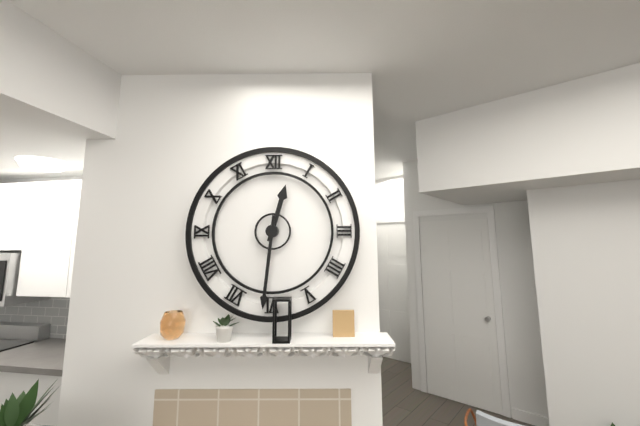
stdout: 12 h 31 min
